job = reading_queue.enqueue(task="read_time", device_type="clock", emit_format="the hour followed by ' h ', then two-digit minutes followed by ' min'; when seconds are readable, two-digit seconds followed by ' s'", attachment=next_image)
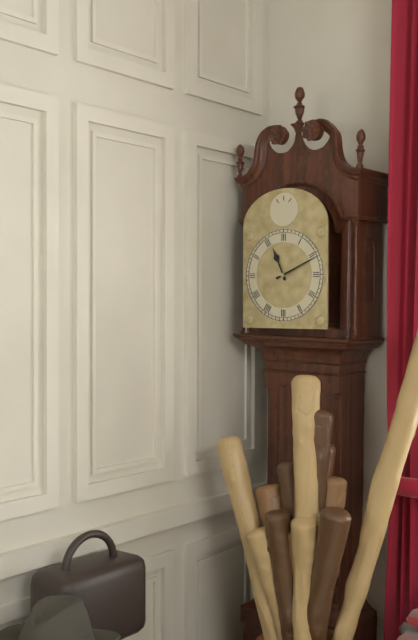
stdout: 11 h 11 min
